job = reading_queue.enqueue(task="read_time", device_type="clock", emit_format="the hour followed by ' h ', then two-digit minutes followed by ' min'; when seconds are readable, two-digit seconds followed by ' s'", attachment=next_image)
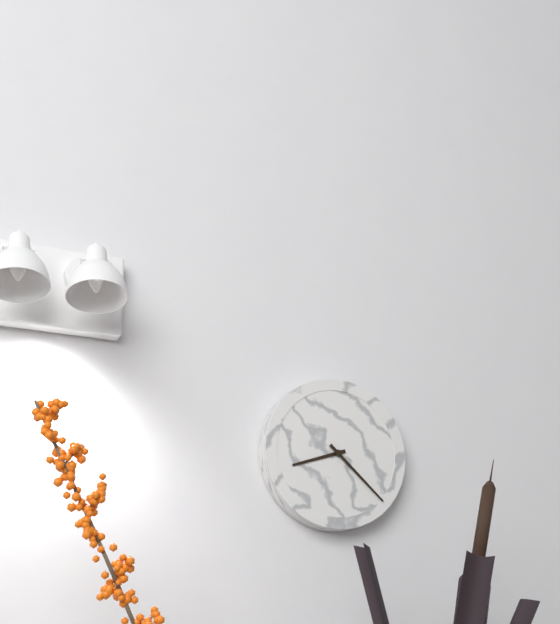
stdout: 8 h 22 min
